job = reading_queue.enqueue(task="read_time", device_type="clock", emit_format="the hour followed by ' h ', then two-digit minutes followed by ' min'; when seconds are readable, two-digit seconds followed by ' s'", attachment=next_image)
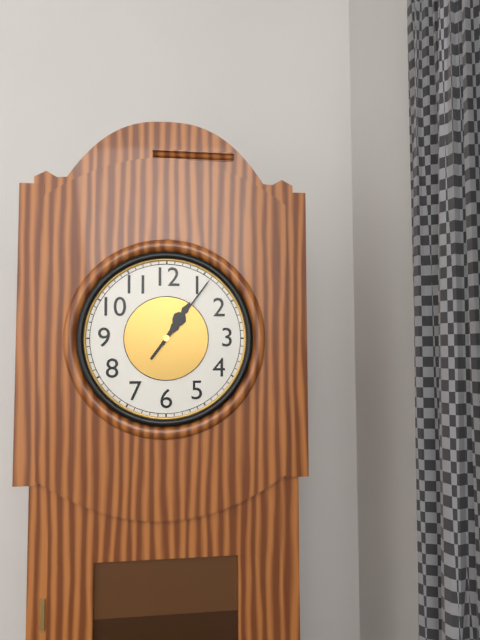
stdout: 1 h 06 min
